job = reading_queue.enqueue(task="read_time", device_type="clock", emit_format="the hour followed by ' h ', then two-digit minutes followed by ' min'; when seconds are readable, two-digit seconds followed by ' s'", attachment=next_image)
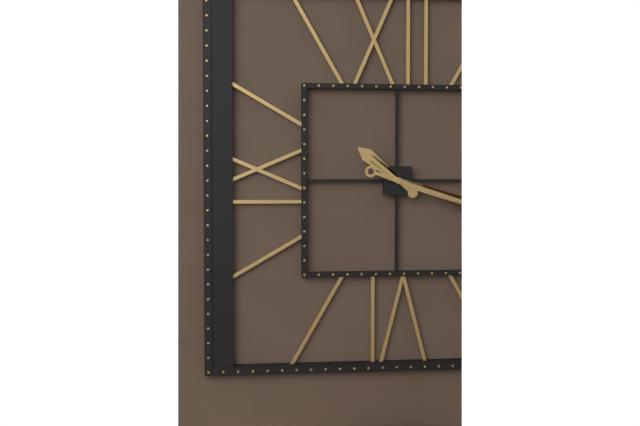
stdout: 10 h 18 min
